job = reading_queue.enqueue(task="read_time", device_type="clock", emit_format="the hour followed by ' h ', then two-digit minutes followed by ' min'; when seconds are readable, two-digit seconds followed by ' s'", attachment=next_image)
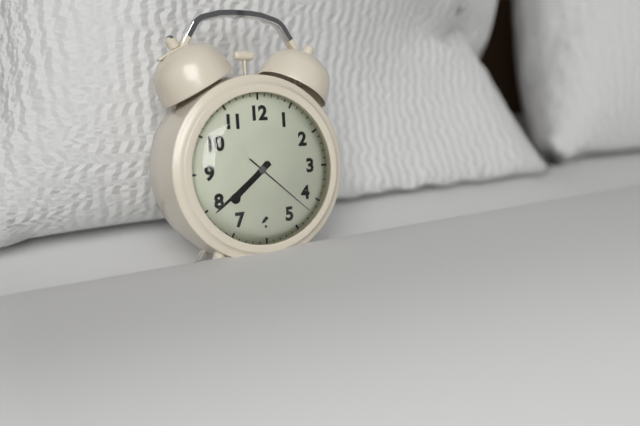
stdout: 7 h 39 min 22 s
